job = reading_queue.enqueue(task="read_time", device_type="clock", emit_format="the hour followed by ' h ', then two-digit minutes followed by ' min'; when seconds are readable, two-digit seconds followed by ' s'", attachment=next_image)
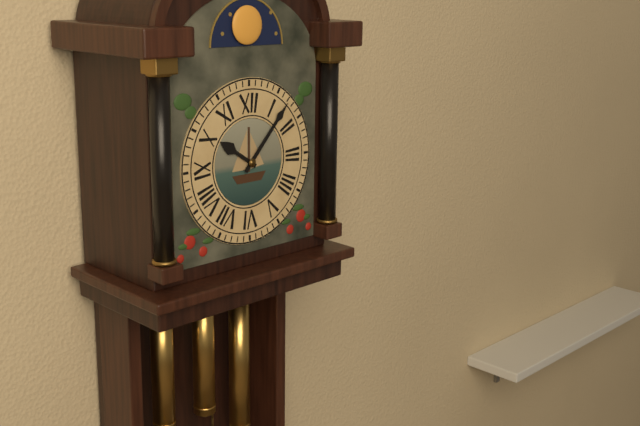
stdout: 10 h 07 min
